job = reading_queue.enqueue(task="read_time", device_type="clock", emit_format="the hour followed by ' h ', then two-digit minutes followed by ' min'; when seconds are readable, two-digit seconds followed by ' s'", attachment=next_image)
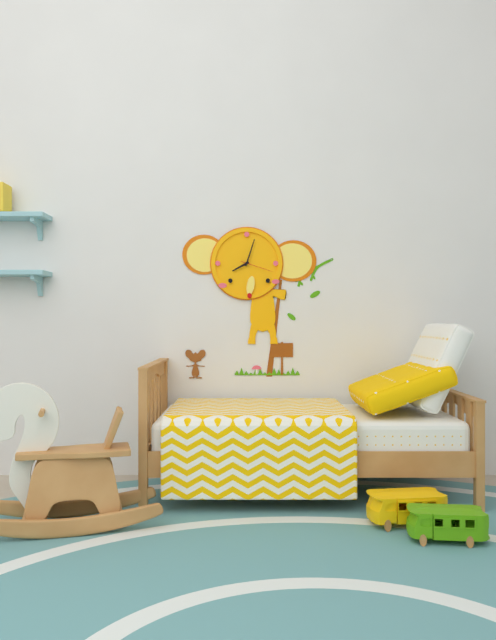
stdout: 8 h 03 min
